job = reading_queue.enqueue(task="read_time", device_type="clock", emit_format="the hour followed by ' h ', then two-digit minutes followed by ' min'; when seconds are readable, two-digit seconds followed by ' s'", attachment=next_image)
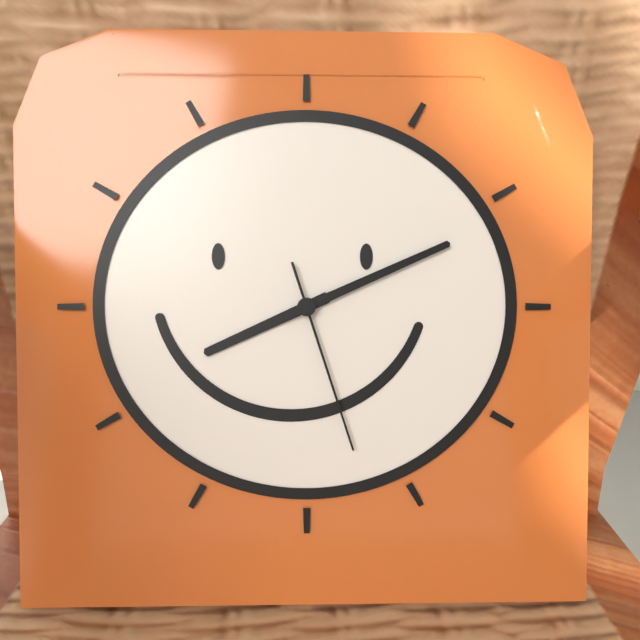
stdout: 8 h 11 min 27 s
